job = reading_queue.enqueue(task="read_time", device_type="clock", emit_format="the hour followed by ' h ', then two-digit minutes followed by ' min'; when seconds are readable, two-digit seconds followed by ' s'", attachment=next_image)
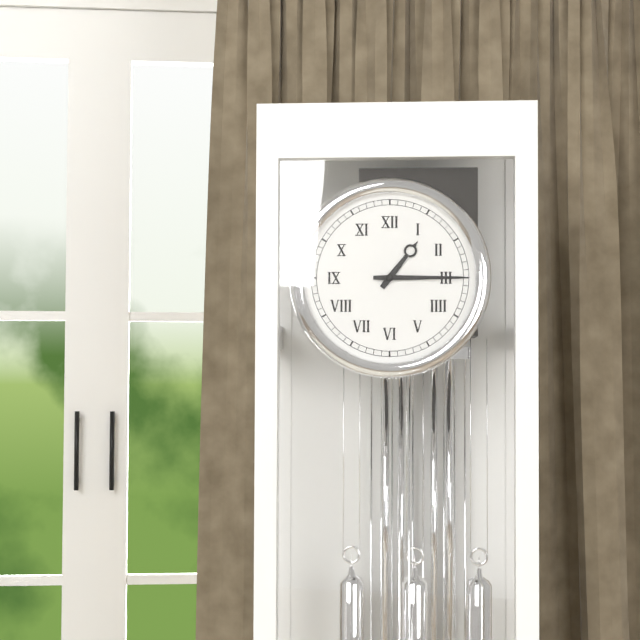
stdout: 1 h 15 min
